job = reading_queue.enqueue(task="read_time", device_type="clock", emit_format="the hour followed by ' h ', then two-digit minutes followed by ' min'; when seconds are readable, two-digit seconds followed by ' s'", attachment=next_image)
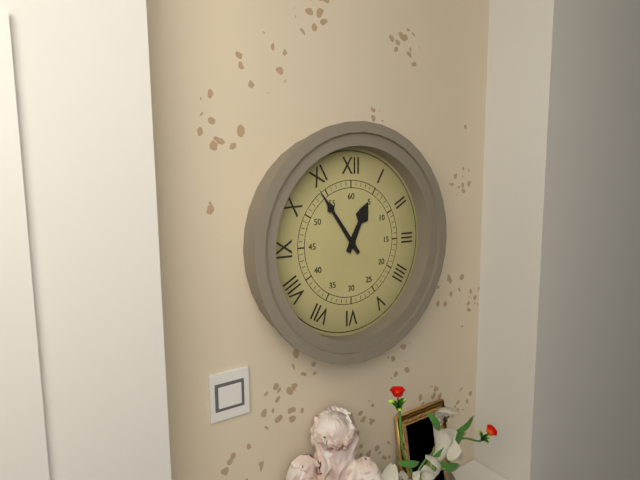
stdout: 12 h 54 min
